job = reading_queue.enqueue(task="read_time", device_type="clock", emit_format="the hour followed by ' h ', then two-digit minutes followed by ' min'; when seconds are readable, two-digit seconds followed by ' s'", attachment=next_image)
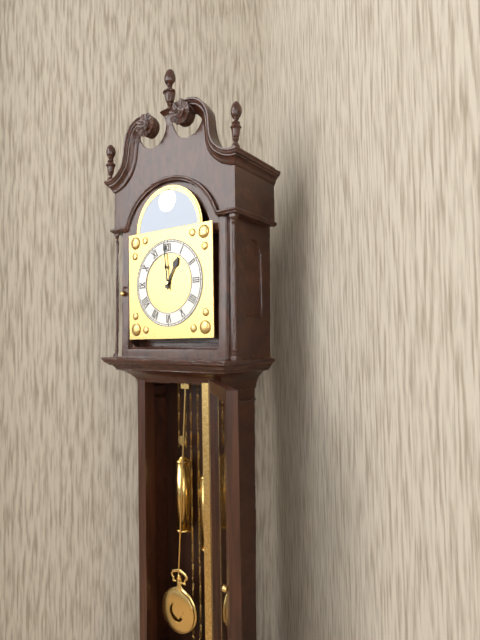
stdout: 12 h 59 min
